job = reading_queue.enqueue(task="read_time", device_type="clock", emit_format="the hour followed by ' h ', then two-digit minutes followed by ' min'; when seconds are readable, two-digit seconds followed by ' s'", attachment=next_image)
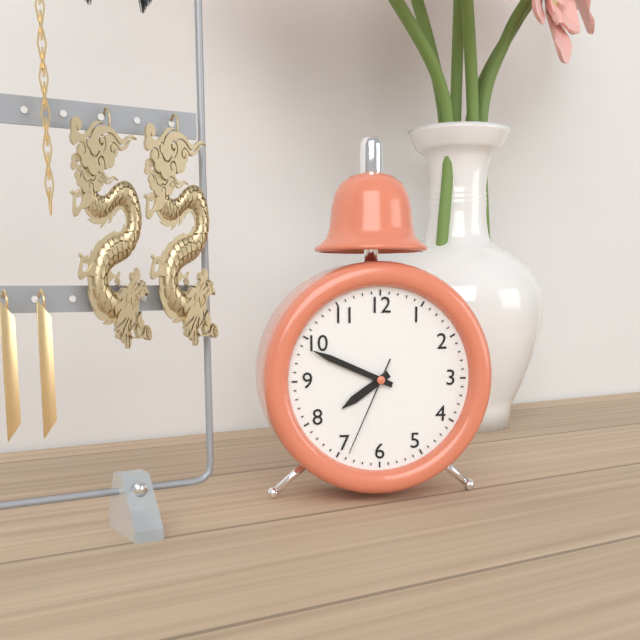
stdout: 7 h 49 min 34 s
